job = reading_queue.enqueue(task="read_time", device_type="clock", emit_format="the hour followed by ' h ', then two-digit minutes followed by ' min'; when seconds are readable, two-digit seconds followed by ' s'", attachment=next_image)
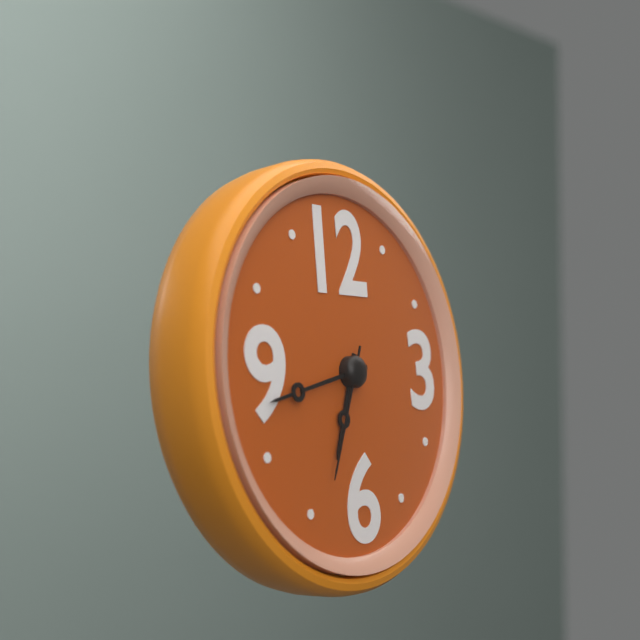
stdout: 6 h 43 min 34 s
